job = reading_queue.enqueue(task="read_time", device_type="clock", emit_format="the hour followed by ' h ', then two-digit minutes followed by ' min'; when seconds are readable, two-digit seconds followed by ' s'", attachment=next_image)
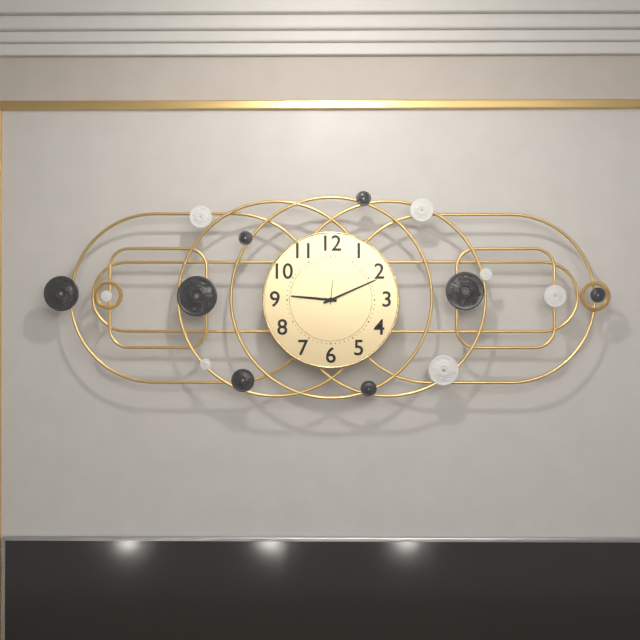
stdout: 9 h 11 min
